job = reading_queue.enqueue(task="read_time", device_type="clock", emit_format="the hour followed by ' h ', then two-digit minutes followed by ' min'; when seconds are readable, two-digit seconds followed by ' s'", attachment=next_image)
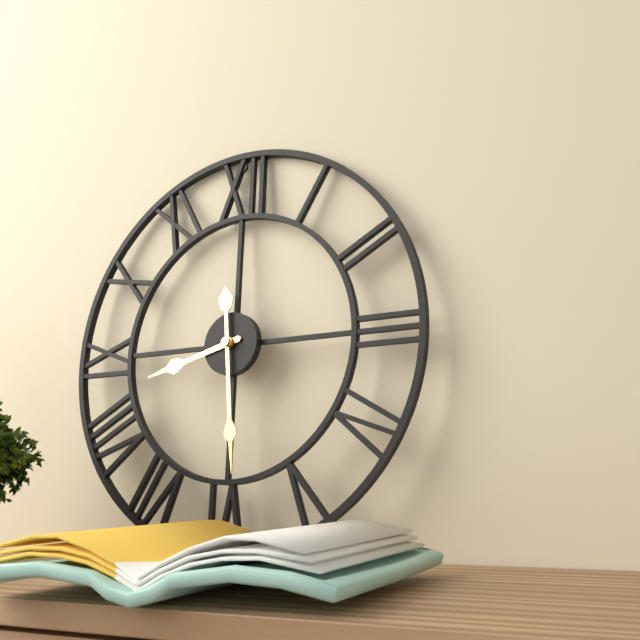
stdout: 8 h 29 min
